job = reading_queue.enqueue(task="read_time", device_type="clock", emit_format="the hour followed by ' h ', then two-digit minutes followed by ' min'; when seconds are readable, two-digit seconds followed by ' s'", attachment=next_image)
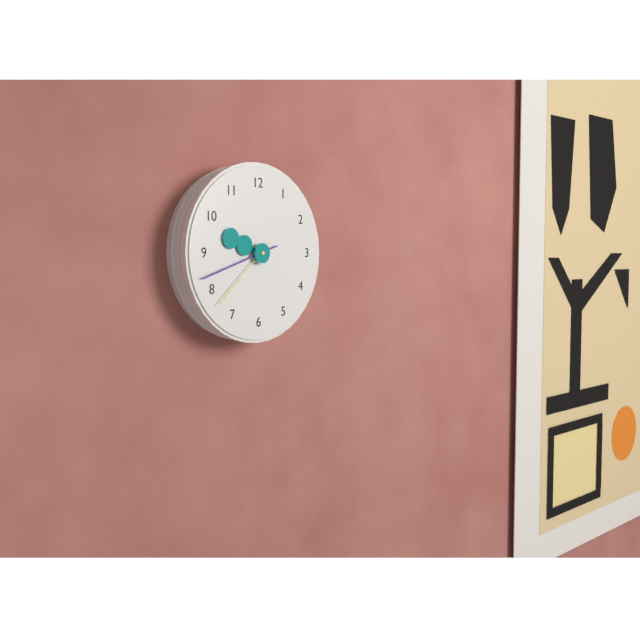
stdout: 9 h 42 min 38 s
